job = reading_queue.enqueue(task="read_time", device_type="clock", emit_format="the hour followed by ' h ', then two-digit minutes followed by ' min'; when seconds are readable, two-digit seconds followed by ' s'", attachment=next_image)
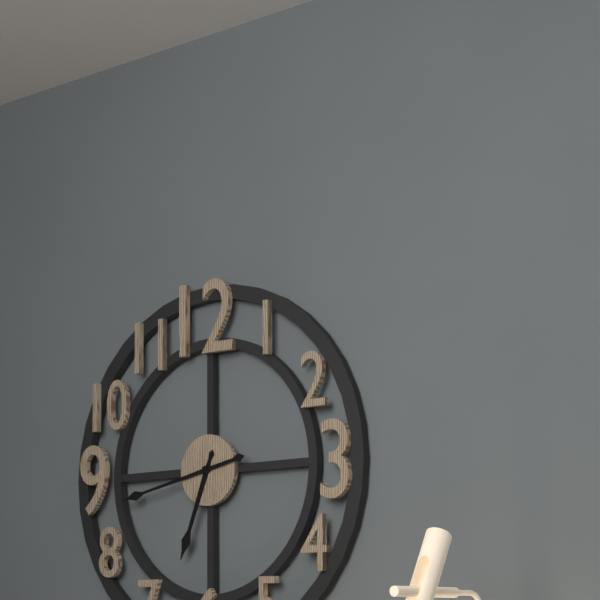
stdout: 6 h 43 min
